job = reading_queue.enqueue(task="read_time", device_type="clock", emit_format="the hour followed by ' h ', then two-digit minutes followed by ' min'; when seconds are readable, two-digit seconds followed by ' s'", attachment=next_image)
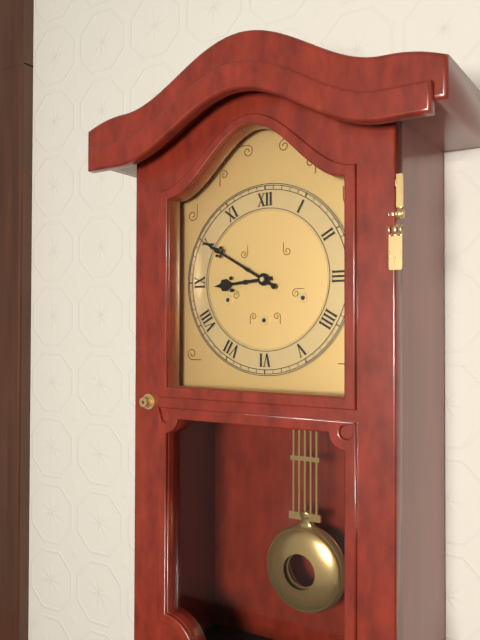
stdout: 8 h 50 min
